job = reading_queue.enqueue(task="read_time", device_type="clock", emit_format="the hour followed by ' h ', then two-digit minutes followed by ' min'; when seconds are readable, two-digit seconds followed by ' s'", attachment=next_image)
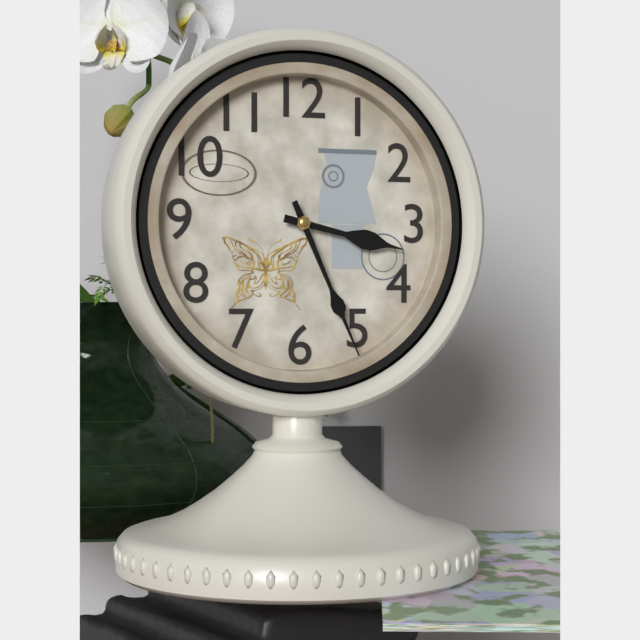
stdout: 3 h 26 min
